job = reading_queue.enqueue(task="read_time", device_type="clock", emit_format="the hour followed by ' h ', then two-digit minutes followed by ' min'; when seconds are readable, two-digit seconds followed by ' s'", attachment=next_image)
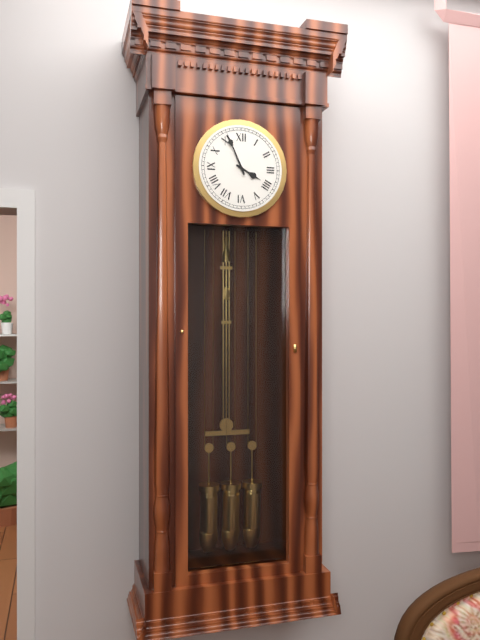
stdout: 3 h 56 min
